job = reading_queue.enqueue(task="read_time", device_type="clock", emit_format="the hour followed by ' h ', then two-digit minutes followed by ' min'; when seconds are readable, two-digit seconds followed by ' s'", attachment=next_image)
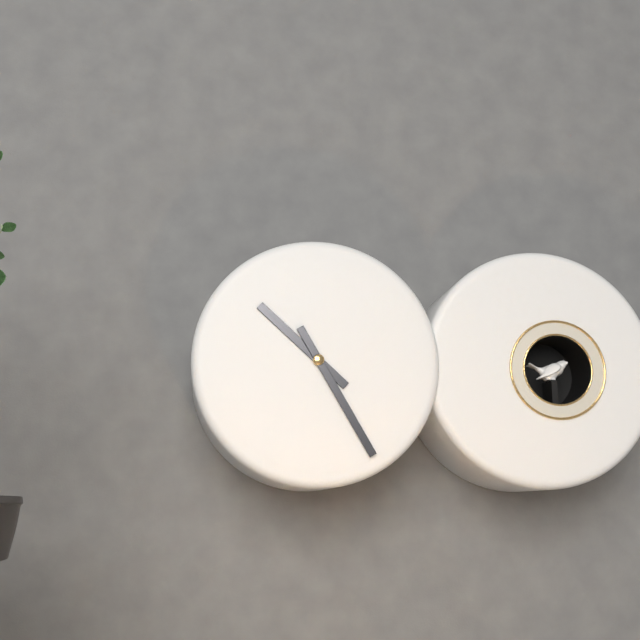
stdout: 10 h 25 min
